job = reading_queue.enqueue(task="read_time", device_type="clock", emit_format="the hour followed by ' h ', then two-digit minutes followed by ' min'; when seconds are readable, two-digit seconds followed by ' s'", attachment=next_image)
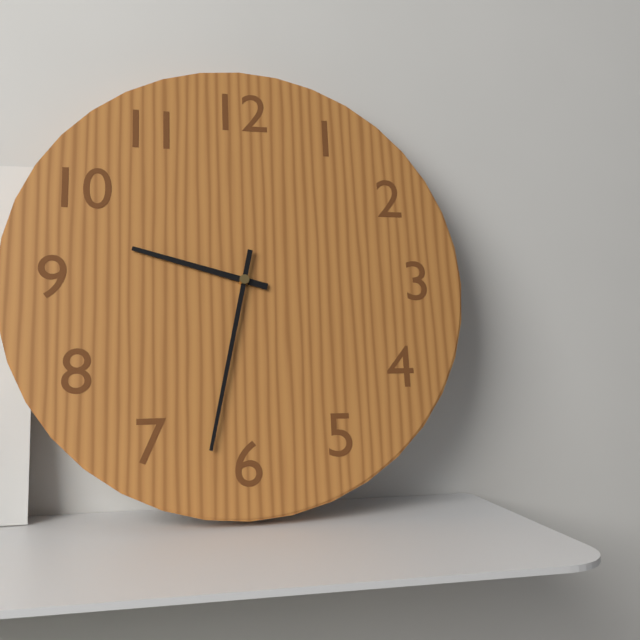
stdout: 9 h 32 min
